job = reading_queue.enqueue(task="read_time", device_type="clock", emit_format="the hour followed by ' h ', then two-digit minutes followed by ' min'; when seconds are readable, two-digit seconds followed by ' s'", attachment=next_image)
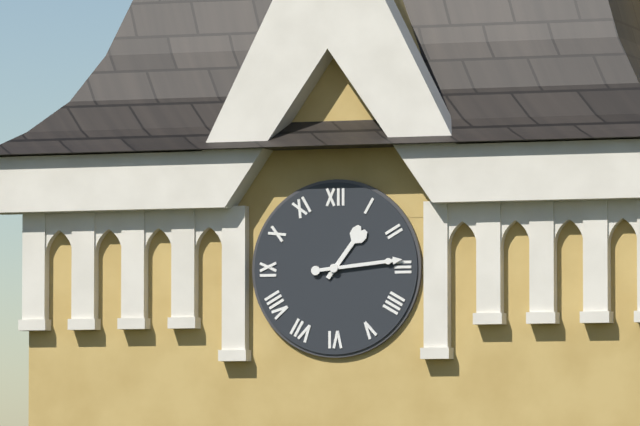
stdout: 1 h 14 min
